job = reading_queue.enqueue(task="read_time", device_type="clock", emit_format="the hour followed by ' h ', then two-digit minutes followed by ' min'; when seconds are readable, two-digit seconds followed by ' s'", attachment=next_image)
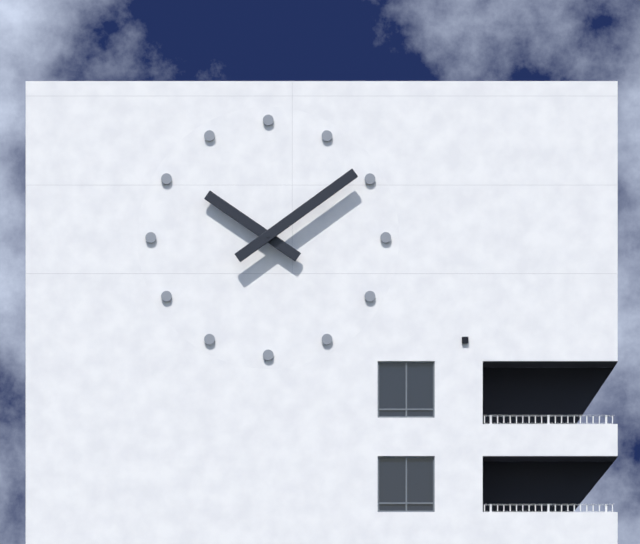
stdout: 10 h 09 min
